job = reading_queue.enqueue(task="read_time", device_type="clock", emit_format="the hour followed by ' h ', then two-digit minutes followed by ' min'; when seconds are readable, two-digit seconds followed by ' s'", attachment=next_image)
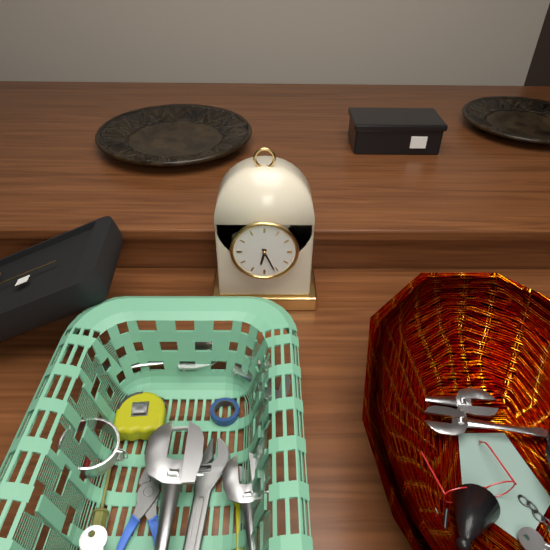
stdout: 6 h 26 min
